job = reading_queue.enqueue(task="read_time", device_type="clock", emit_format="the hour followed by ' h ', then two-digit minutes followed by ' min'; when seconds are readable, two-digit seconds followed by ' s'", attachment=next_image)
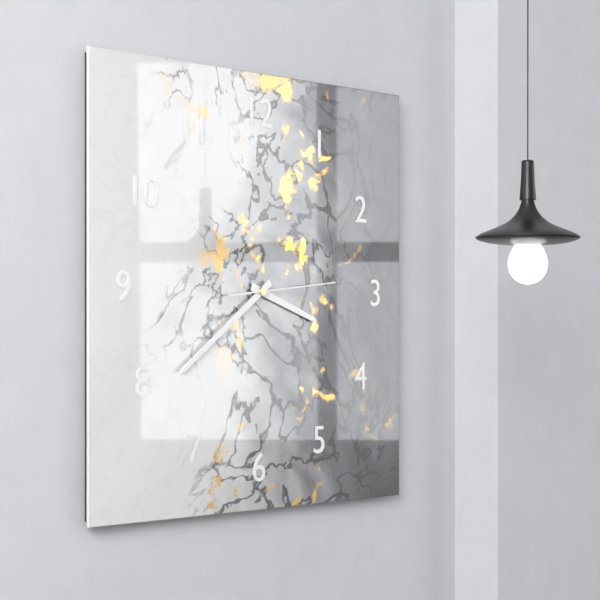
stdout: 3 h 39 min 14 s
